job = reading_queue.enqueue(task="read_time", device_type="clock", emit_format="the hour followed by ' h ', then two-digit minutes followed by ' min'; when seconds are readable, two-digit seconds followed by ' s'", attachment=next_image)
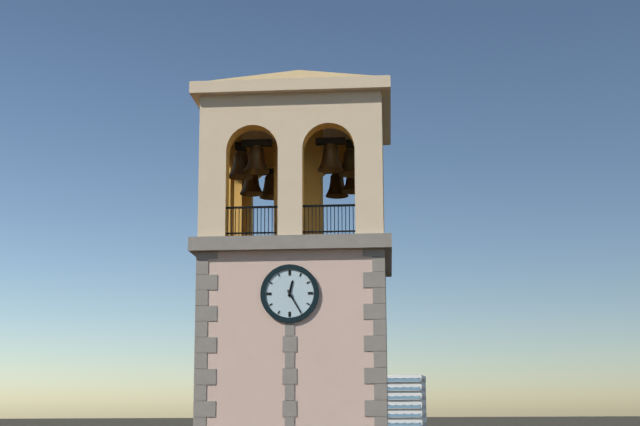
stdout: 12 h 25 min
